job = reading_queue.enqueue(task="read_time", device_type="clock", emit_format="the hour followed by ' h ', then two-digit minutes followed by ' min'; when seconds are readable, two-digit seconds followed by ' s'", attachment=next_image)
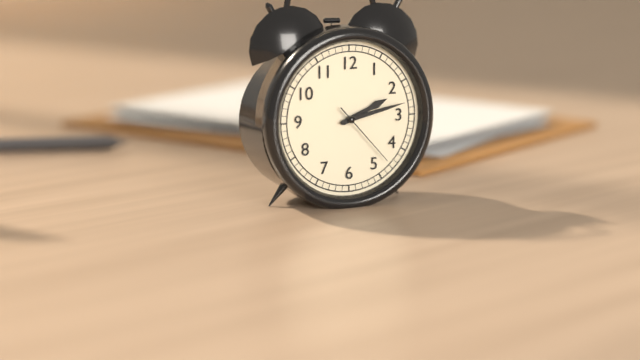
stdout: 2 h 13 min 23 s
